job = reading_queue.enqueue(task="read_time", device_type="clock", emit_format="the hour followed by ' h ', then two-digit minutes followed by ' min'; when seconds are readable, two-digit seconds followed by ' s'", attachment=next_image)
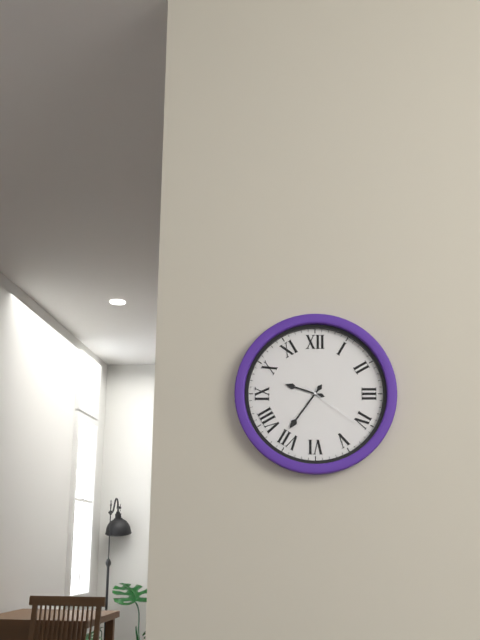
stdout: 9 h 36 min 21 s
